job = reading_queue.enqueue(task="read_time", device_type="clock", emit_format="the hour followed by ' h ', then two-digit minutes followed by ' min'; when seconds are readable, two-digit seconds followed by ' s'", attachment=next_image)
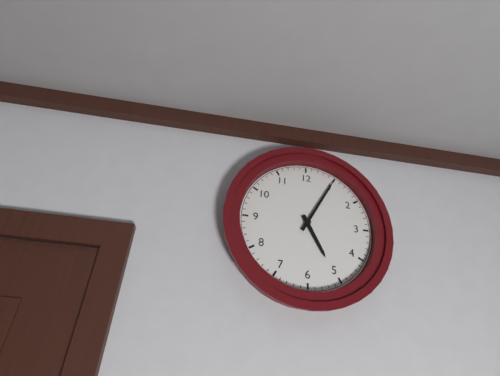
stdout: 5 h 05 min
